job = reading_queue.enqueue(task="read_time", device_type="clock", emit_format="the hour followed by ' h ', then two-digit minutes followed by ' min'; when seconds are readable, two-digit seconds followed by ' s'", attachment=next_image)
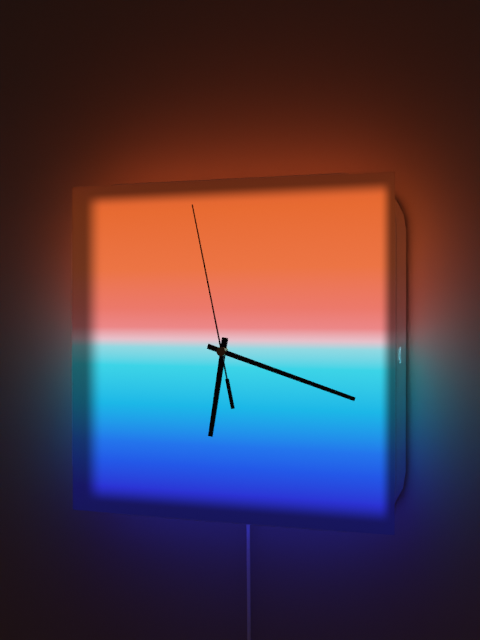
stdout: 6 h 18 min 58 s
